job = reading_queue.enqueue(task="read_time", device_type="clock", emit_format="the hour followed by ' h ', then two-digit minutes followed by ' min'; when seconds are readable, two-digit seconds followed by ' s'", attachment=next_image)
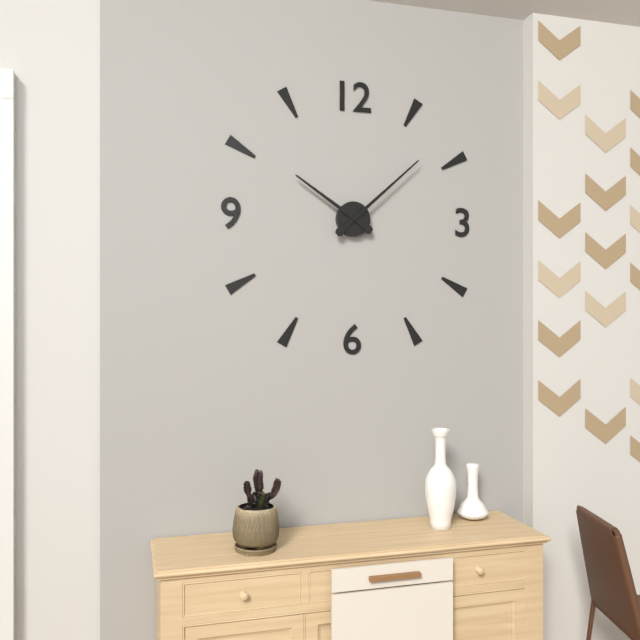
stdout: 10 h 08 min
